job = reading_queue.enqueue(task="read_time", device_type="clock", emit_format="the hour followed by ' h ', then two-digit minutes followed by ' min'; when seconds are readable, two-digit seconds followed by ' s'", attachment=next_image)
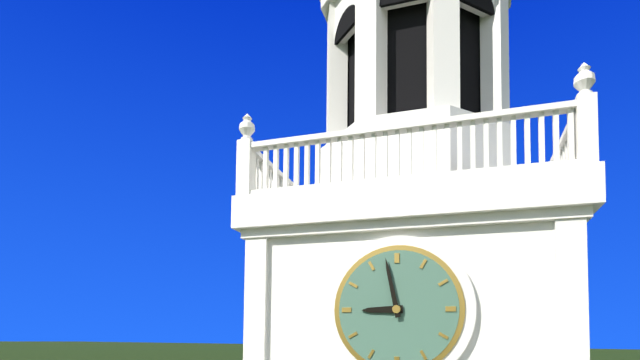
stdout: 8 h 58 min
